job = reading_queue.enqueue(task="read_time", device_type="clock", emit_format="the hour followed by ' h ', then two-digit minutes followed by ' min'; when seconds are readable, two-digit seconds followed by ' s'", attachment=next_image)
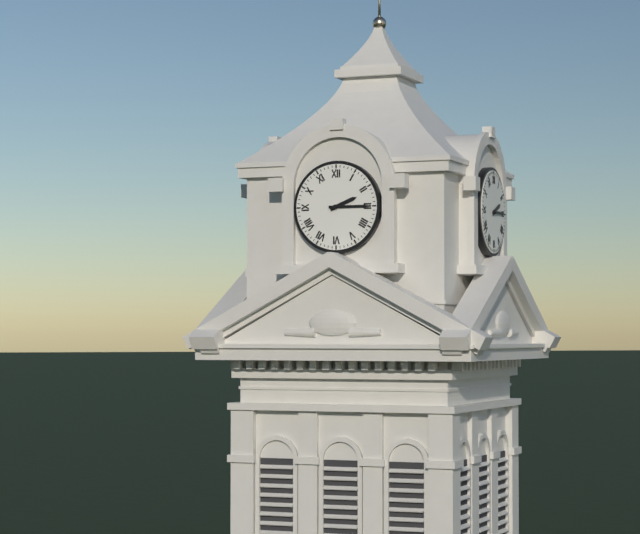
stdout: 2 h 15 min
